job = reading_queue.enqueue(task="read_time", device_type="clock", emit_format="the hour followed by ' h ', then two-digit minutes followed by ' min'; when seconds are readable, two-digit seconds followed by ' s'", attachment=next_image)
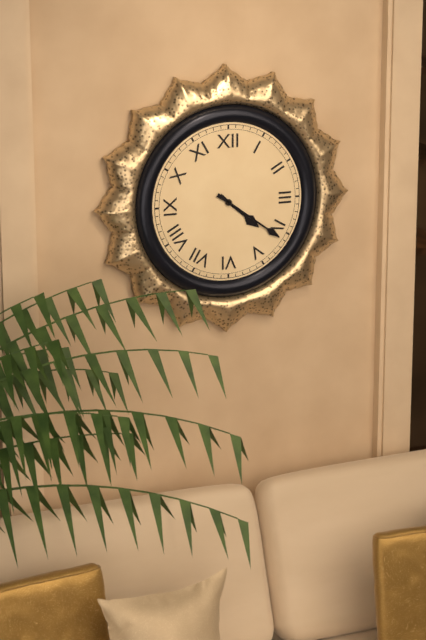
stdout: 4 h 21 min
